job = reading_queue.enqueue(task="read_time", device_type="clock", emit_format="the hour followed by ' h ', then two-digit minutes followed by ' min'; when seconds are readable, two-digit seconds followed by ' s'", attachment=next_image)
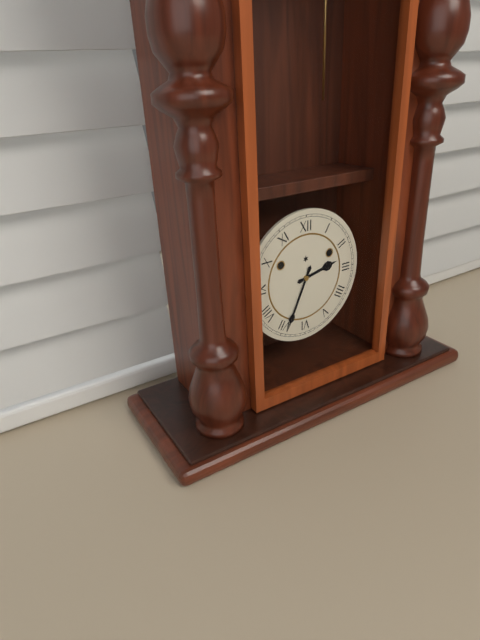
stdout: 2 h 34 min
